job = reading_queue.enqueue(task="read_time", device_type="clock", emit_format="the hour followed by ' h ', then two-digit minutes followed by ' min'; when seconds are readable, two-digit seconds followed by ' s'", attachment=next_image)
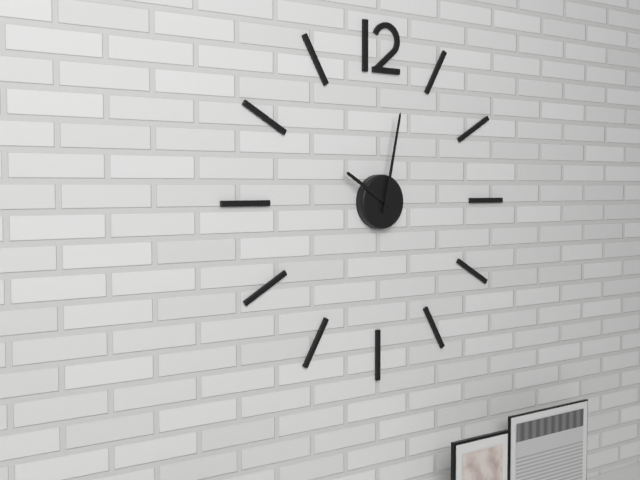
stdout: 10 h 02 min
